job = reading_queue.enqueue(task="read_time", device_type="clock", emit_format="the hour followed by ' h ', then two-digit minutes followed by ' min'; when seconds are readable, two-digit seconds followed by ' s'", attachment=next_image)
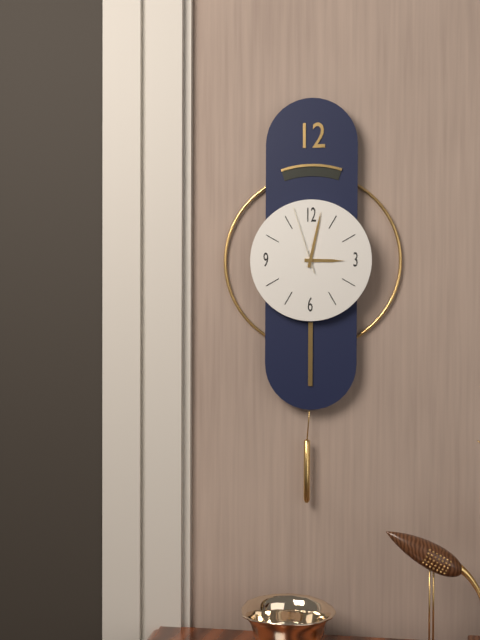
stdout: 3 h 02 min 57 s
